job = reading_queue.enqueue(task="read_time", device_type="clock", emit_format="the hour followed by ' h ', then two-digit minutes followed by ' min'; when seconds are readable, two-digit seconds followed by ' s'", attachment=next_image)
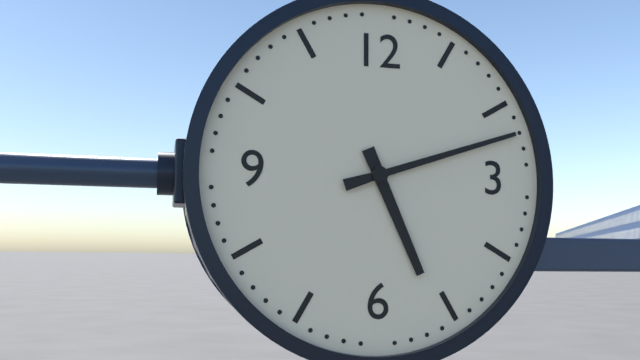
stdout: 5 h 12 min
